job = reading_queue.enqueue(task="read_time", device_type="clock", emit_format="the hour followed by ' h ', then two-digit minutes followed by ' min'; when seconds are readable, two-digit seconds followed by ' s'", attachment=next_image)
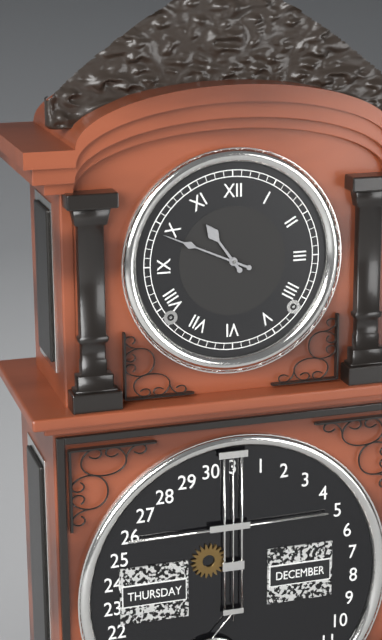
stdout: 10 h 49 min
